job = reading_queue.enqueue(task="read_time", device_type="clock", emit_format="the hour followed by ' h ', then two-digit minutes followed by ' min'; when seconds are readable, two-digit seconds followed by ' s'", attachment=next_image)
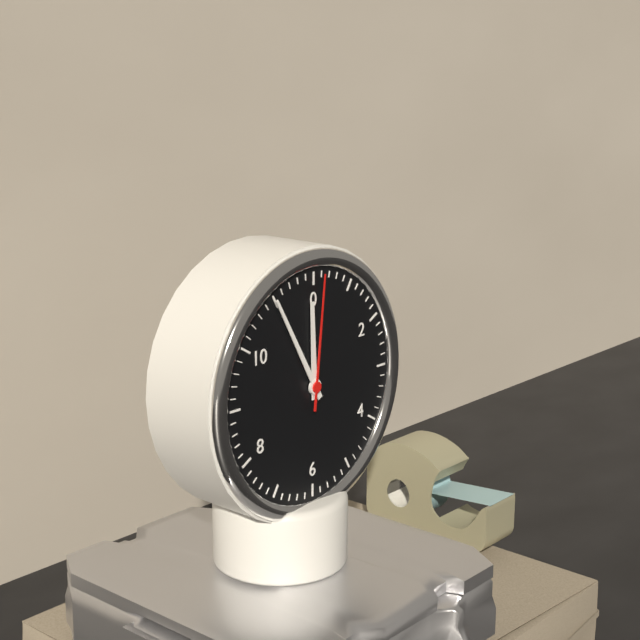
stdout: 11 h 55 min 01 s
